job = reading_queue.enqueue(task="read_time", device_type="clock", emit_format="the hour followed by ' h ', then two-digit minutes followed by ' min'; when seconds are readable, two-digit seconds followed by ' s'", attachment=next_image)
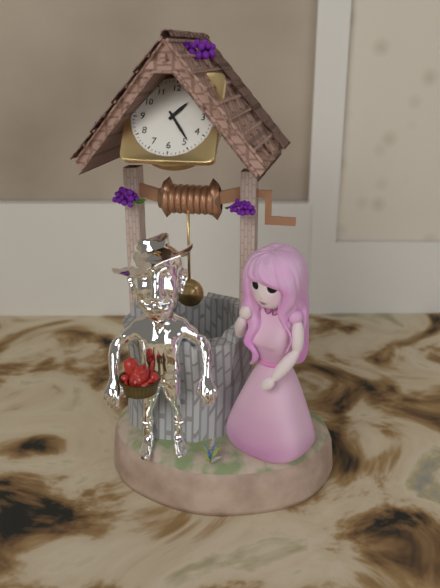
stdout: 1 h 24 min
